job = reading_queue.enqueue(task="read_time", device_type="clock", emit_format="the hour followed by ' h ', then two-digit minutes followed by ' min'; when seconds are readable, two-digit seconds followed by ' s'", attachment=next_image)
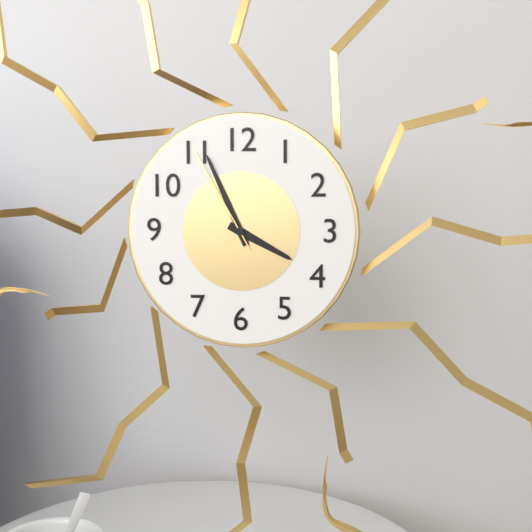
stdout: 3 h 56 min 55 s
